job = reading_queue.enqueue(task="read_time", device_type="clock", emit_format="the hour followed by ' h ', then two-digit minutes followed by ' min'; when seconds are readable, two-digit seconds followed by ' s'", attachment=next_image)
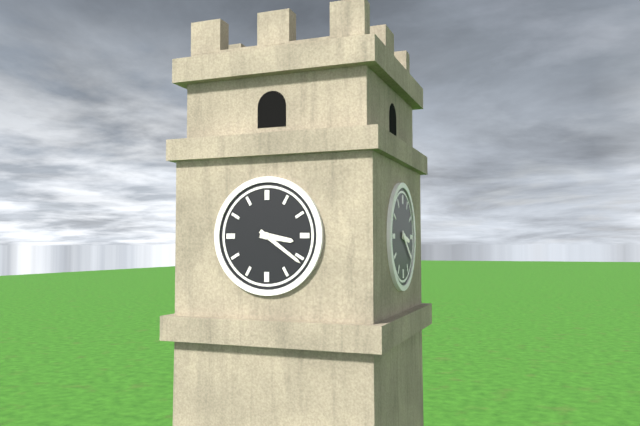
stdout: 3 h 21 min
